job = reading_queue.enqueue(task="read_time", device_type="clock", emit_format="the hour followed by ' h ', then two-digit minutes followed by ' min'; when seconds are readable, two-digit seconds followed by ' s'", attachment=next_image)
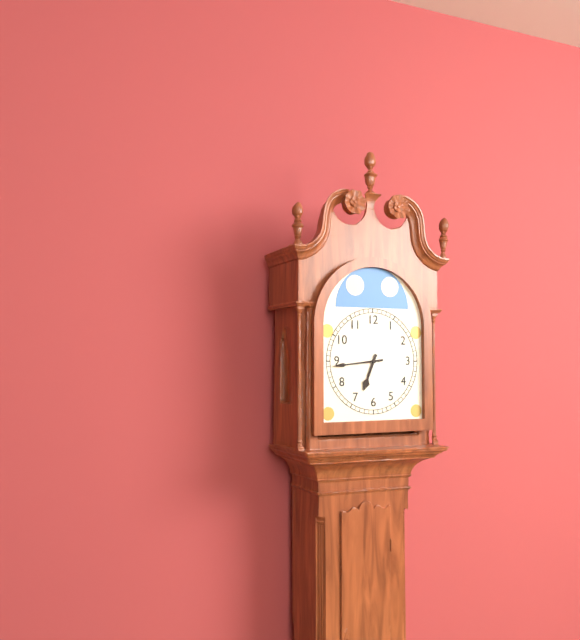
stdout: 6 h 44 min
